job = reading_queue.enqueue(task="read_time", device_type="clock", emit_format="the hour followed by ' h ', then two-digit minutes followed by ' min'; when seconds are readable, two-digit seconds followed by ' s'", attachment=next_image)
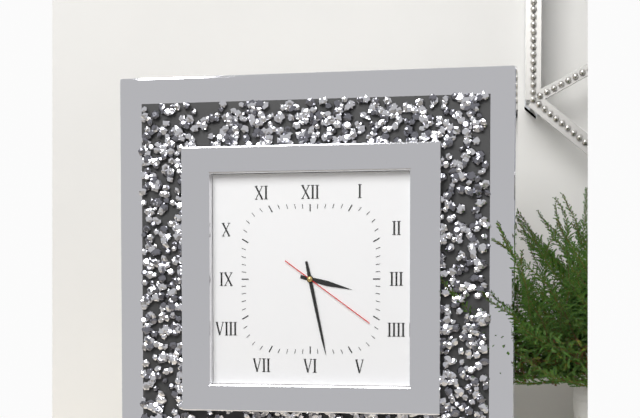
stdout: 3 h 28 min 21 s
